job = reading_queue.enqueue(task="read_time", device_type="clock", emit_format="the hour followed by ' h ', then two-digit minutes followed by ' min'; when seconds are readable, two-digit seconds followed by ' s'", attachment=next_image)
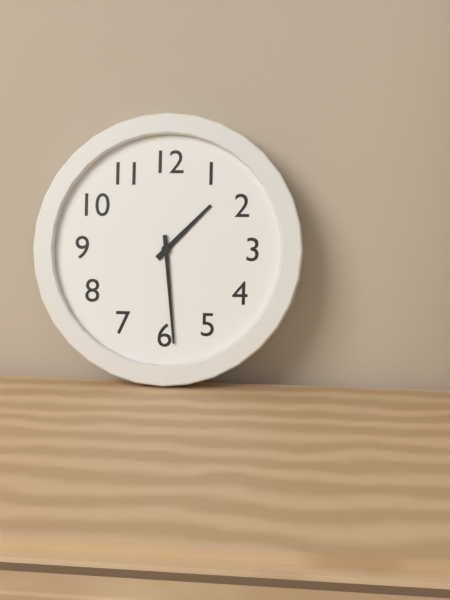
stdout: 1 h 29 min
